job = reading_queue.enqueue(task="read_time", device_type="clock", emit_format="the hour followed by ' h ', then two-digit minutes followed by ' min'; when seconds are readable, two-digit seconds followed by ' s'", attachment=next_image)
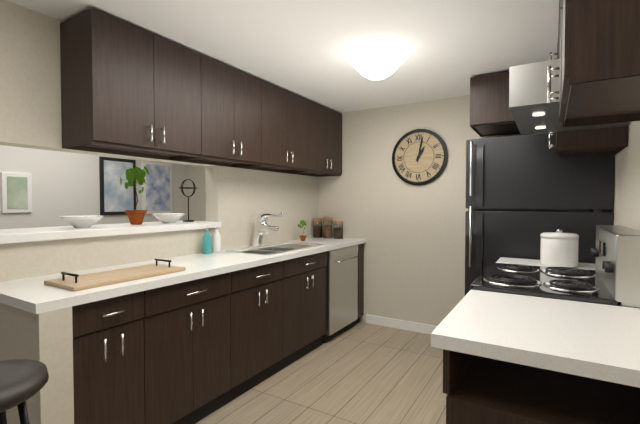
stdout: 1 h 02 min
